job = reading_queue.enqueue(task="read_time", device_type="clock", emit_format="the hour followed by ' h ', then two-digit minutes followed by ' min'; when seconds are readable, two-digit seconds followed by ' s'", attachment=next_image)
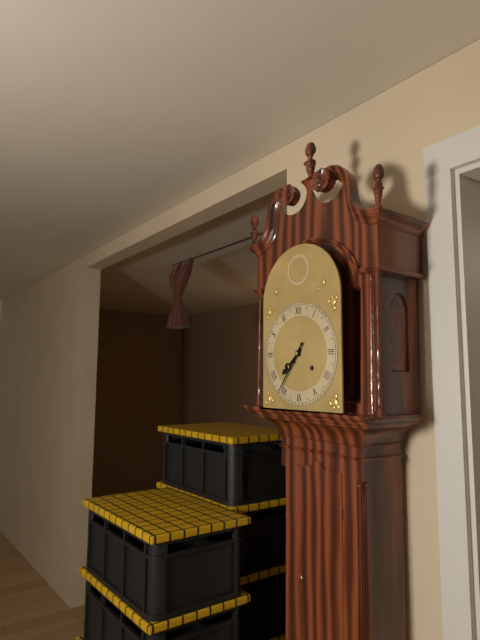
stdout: 7 h 36 min
